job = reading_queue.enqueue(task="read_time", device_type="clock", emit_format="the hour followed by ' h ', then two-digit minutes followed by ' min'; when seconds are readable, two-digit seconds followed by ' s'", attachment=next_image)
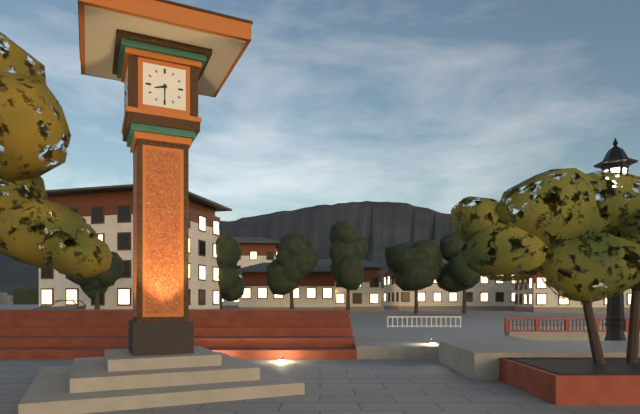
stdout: 8 h 30 min
